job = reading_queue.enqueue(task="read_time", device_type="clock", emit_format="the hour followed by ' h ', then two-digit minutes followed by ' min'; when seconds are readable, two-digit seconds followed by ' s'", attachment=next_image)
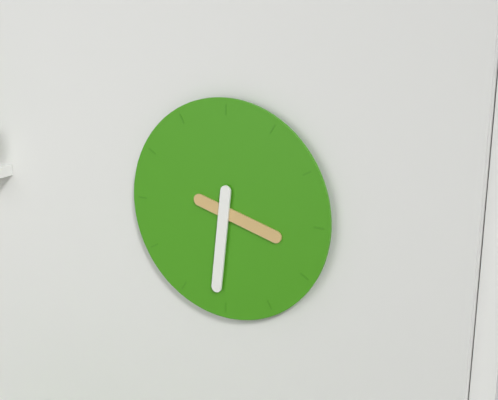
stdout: 3 h 31 min
